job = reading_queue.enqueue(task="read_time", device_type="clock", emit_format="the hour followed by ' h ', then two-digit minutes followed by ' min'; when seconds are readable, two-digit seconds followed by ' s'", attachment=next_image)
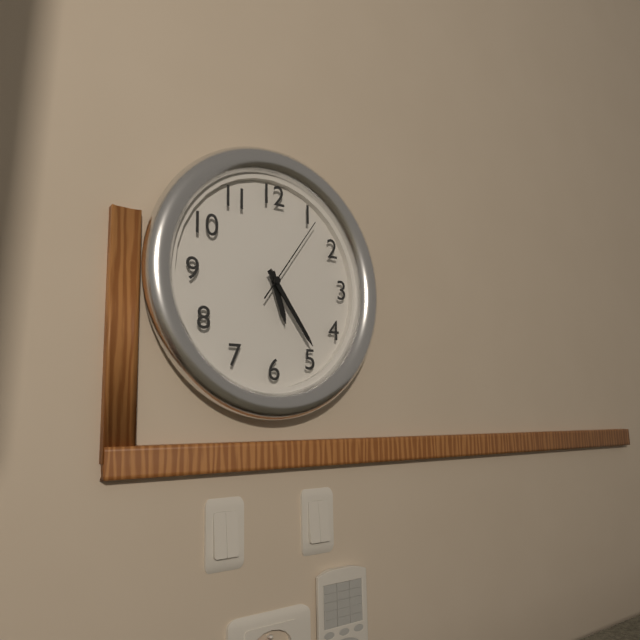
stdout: 5 h 24 min 06 s
